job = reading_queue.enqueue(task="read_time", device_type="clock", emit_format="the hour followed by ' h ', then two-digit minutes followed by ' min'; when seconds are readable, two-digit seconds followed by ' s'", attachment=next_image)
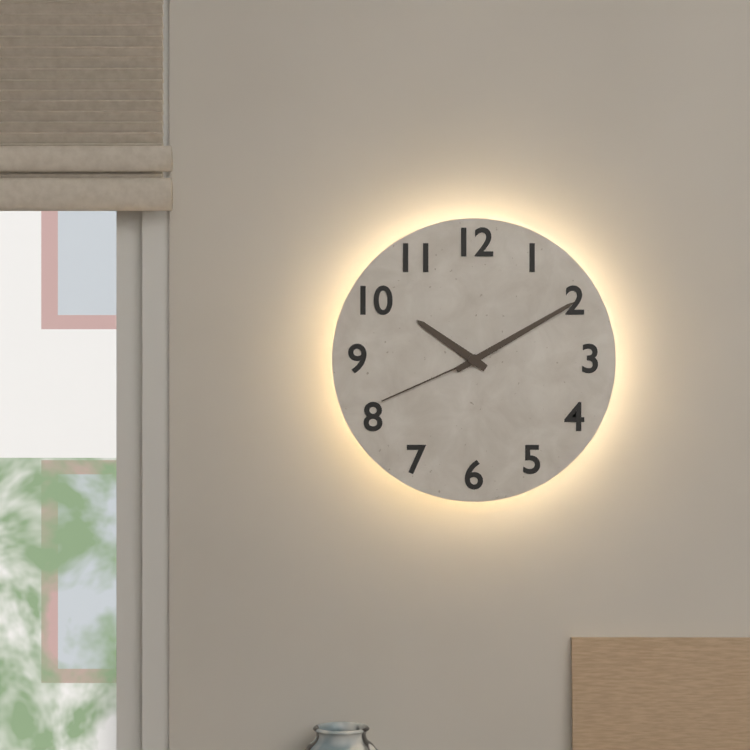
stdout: 10 h 10 min 41 s
